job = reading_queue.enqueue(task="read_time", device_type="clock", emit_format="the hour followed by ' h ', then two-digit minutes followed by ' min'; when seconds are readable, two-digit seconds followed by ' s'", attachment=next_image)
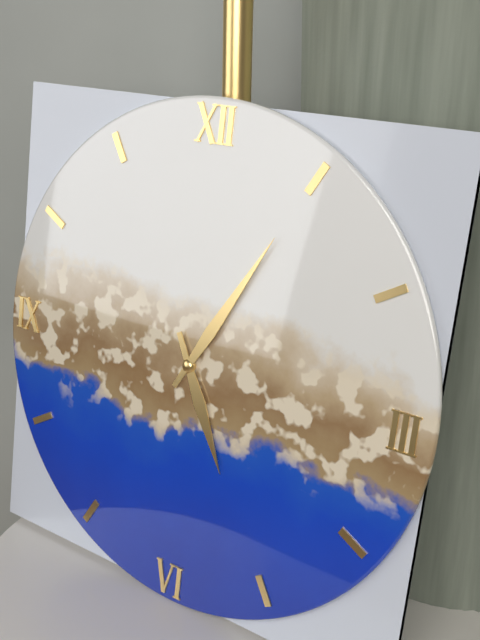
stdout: 5 h 05 min
